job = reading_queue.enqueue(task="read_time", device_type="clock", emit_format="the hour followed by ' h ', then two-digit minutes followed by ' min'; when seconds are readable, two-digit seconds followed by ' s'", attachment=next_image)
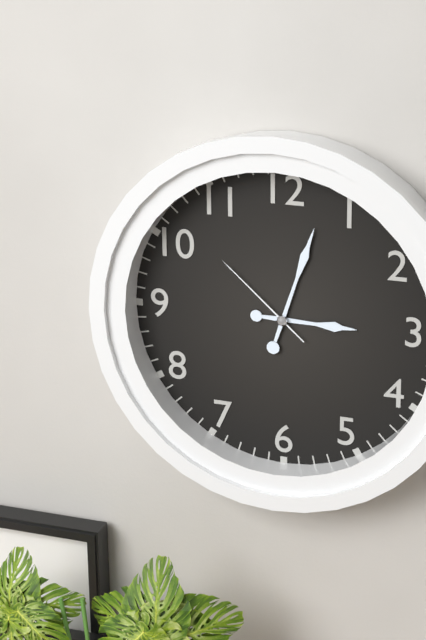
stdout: 3 h 03 min 52 s
